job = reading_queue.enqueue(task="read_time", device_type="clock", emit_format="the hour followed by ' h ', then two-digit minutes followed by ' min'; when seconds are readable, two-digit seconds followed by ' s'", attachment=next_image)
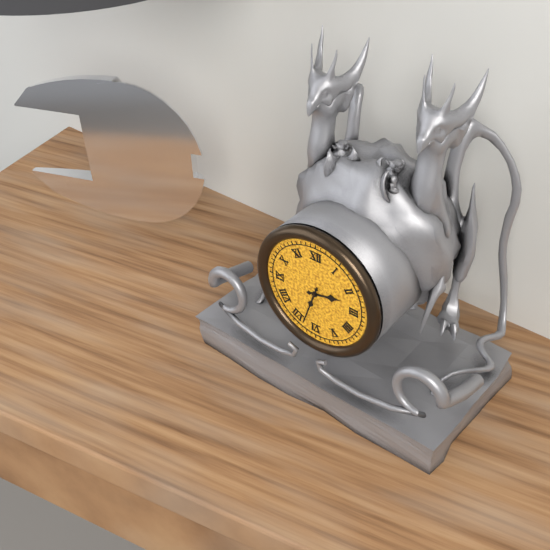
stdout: 2 h 33 min
